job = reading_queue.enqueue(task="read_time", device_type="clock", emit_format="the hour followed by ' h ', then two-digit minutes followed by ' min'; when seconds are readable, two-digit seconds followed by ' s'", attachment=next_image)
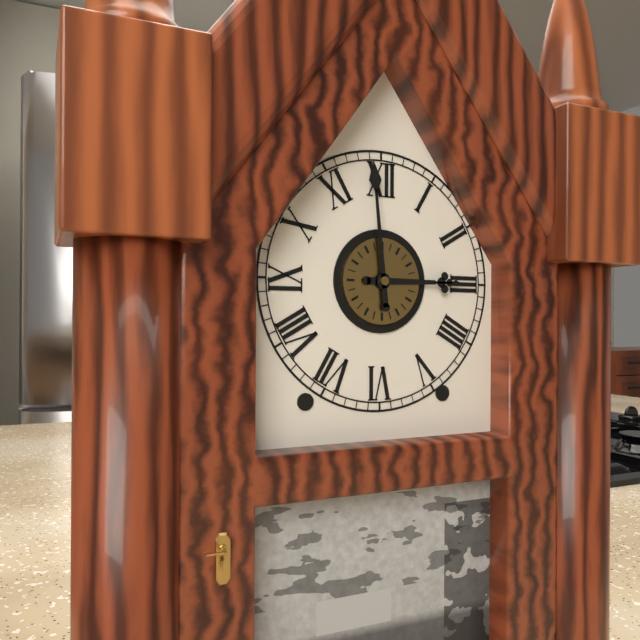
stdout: 2 h 59 min
